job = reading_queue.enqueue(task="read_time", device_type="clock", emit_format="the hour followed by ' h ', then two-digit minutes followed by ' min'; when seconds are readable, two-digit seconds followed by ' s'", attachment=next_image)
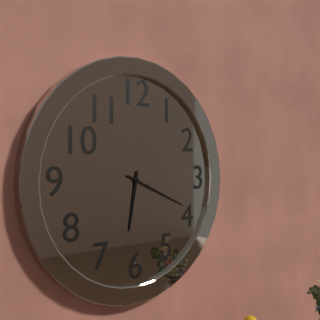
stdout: 6 h 19 min
